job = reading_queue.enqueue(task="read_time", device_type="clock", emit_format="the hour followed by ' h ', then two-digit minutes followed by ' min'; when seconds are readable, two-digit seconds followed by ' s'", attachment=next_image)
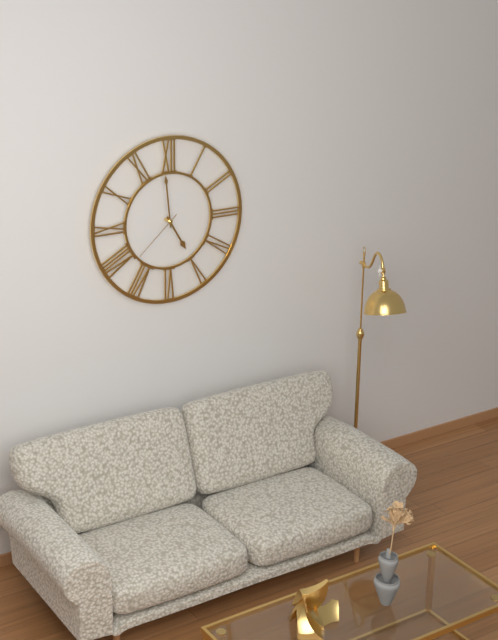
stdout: 4 h 59 min 38 s
